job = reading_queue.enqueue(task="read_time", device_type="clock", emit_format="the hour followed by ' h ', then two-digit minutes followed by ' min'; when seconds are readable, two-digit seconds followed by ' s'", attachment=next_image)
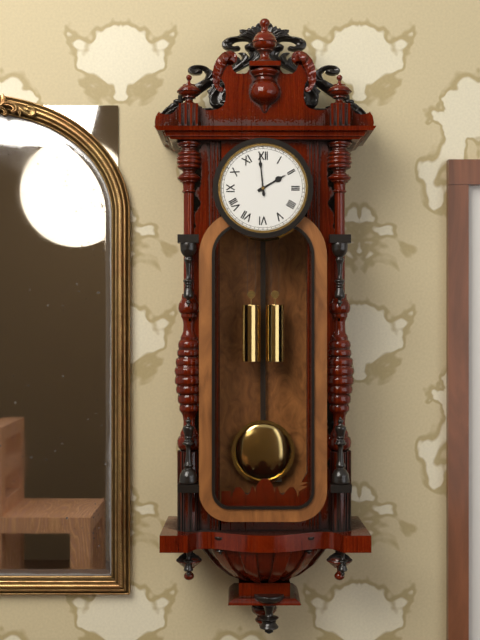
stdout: 1 h 59 min
